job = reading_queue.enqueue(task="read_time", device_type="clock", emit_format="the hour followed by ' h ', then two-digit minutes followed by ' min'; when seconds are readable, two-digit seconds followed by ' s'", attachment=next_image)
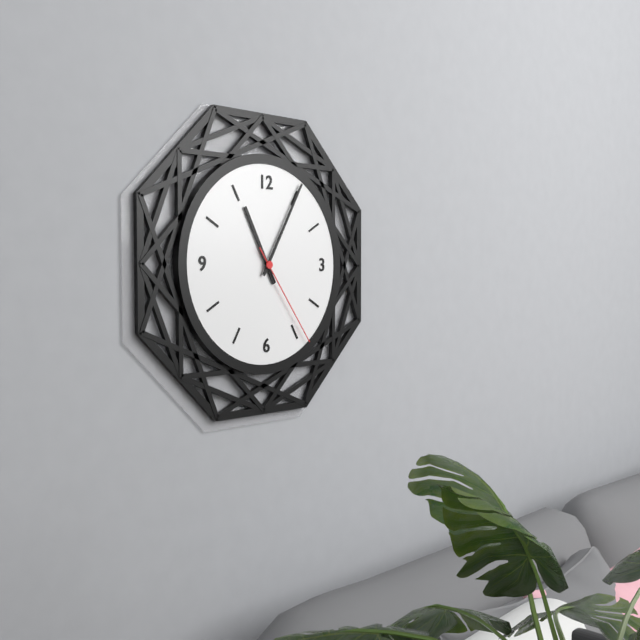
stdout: 11 h 05 min 24 s
